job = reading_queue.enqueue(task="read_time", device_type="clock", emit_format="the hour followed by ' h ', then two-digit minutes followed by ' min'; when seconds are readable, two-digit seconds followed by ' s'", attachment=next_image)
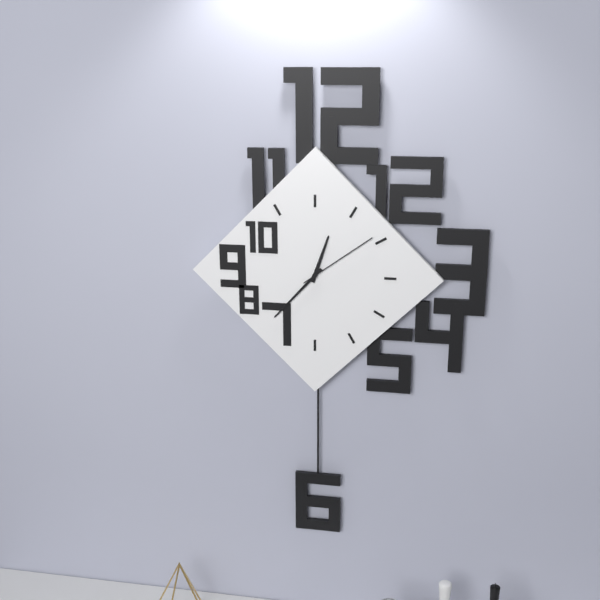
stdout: 12 h 37 min 09 s
